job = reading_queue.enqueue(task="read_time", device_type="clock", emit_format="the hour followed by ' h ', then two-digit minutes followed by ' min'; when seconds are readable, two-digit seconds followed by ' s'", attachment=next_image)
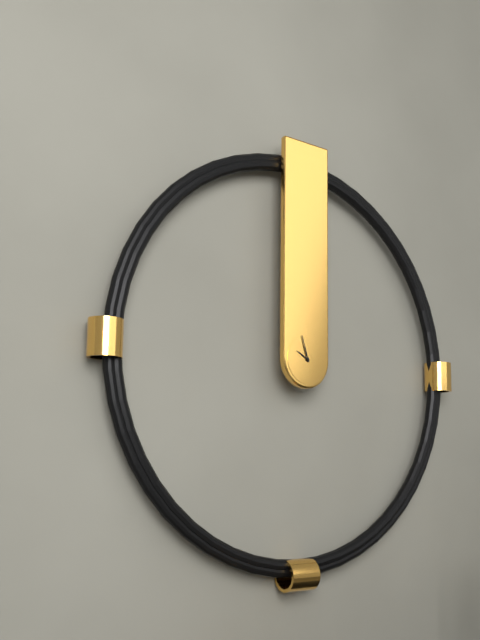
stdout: 9 h 57 min
